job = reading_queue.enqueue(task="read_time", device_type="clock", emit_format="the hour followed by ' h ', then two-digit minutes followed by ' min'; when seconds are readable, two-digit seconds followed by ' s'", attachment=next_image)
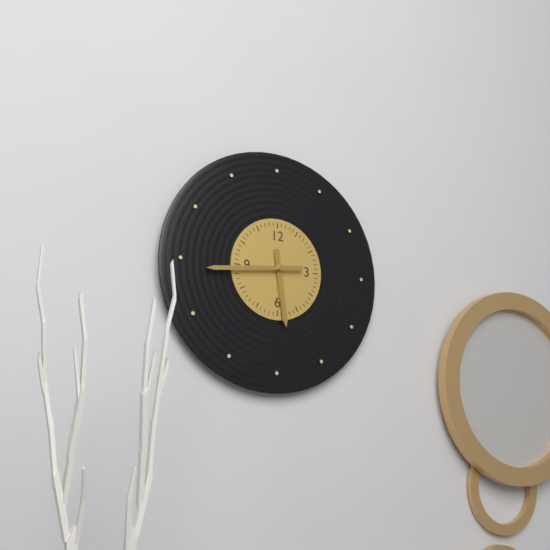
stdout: 5 h 44 min
